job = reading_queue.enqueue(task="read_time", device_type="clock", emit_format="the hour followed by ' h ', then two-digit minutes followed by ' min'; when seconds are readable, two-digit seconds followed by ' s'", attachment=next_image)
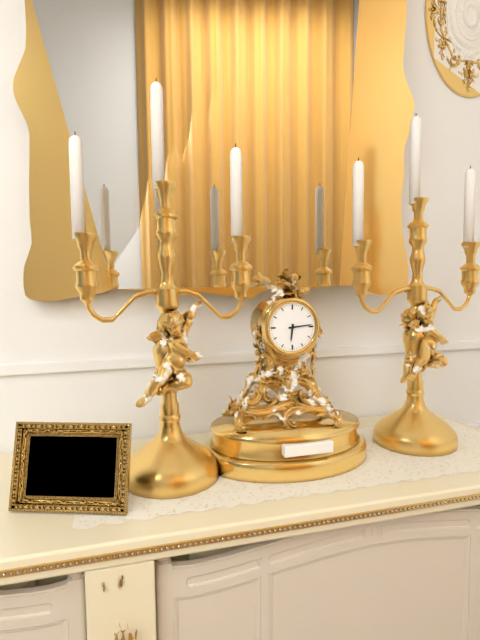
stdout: 6 h 14 min
